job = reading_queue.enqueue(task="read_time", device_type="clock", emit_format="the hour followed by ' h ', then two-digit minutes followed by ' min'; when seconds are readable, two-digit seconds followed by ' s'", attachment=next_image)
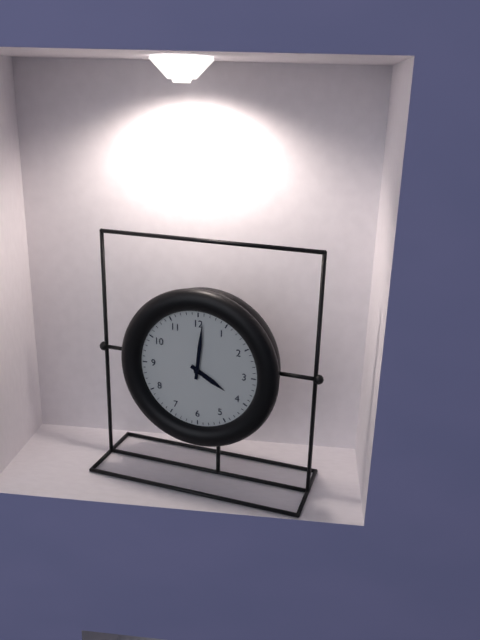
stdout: 4 h 01 min
